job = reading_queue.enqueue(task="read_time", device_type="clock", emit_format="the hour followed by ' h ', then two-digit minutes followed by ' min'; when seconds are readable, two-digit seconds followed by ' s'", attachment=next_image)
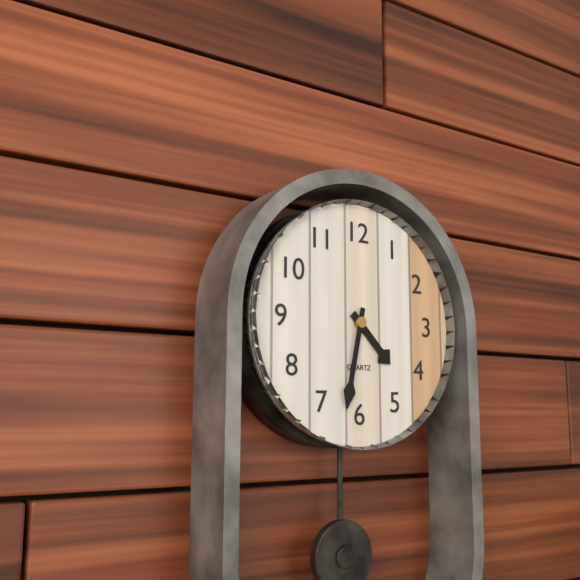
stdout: 4 h 32 min
